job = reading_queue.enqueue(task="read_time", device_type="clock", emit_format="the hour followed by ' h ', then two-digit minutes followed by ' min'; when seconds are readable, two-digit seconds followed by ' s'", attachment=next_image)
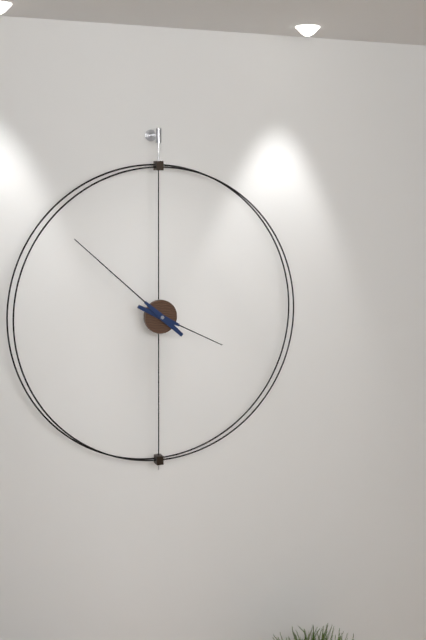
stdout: 3 h 52 min
